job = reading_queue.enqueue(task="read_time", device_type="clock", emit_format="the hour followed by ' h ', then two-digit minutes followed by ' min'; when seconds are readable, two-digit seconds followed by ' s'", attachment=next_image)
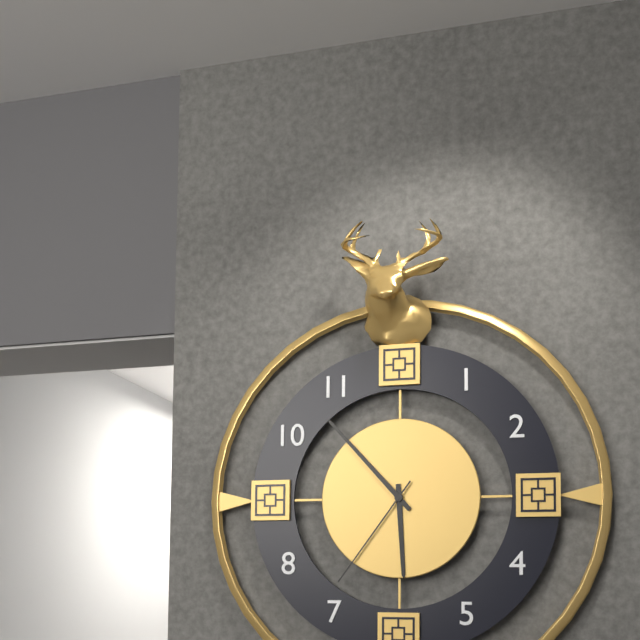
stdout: 5 h 53 min 36 s
